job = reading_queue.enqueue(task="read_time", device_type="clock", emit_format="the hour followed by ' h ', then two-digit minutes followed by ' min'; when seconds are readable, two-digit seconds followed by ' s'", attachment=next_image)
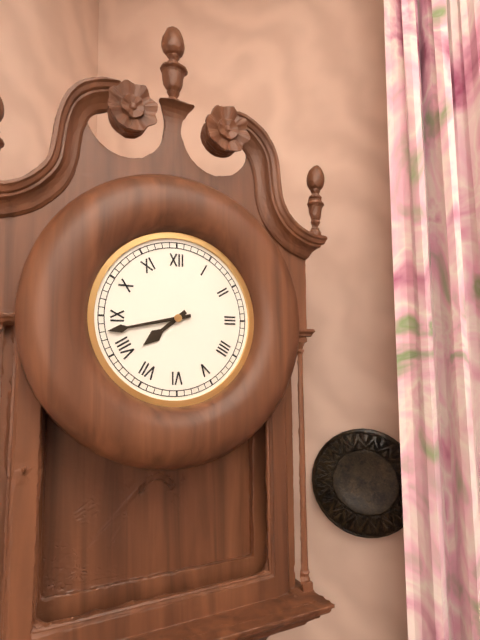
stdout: 7 h 43 min
